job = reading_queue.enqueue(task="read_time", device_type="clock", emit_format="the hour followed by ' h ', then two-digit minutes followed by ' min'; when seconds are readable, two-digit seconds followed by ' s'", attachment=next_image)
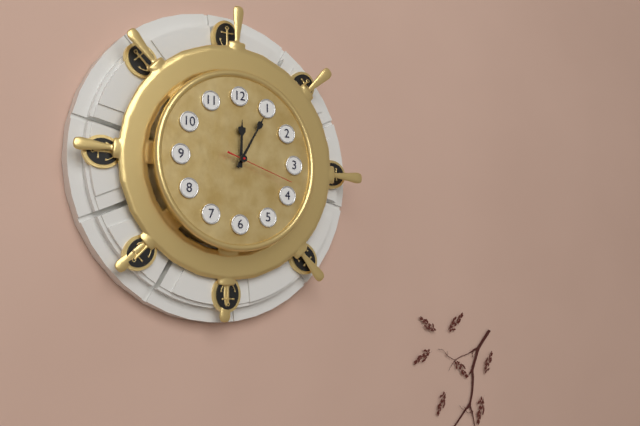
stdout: 12 h 05 min 18 s
